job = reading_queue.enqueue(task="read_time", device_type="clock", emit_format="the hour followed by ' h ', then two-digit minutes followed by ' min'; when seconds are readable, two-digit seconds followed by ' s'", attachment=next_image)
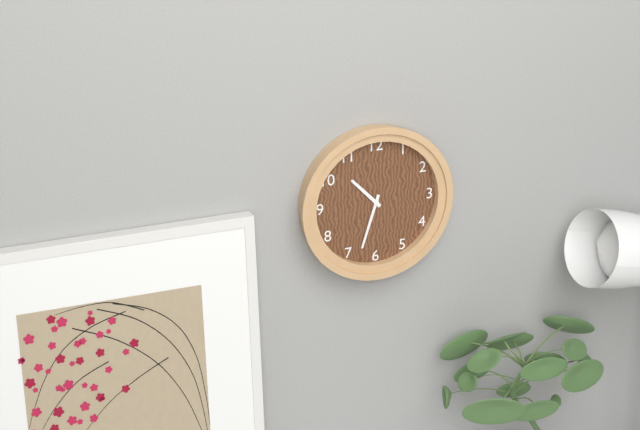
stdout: 10 h 33 min
